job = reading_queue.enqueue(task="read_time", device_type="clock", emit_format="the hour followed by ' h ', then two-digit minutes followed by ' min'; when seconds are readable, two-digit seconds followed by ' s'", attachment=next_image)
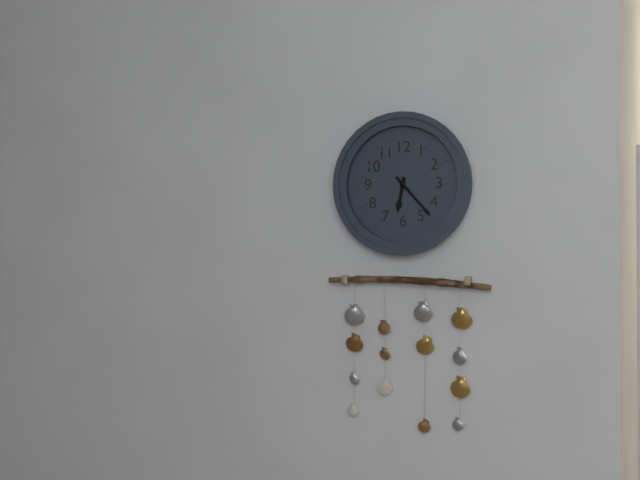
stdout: 6 h 23 min
